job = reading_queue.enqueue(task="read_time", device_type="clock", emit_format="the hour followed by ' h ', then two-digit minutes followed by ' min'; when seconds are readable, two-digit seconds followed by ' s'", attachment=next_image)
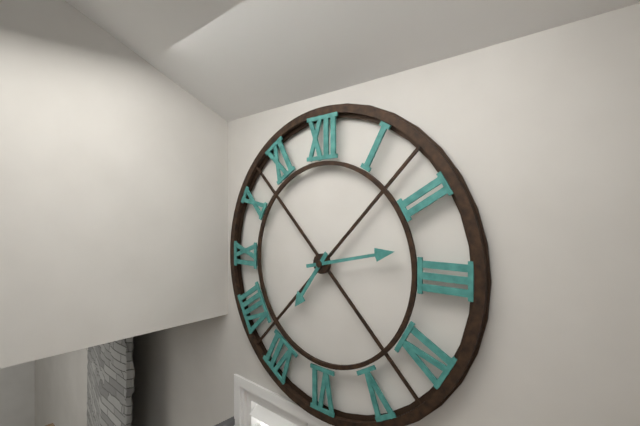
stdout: 7 h 13 min
